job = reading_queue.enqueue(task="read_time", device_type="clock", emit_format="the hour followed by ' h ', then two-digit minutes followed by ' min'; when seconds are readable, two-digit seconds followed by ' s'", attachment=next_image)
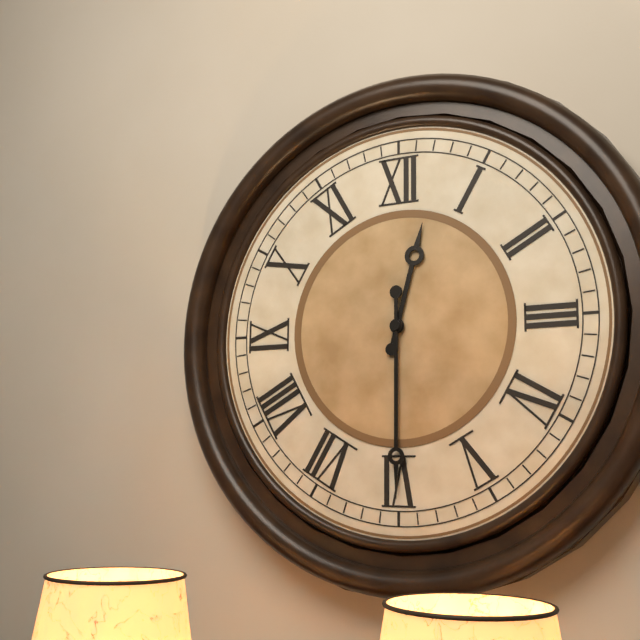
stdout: 12 h 30 min
